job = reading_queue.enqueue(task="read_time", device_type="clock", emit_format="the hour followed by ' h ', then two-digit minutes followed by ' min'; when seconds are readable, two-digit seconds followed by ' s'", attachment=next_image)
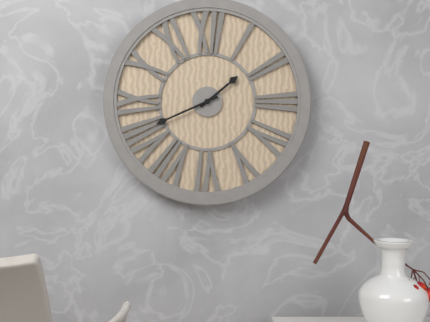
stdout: 1 h 41 min
